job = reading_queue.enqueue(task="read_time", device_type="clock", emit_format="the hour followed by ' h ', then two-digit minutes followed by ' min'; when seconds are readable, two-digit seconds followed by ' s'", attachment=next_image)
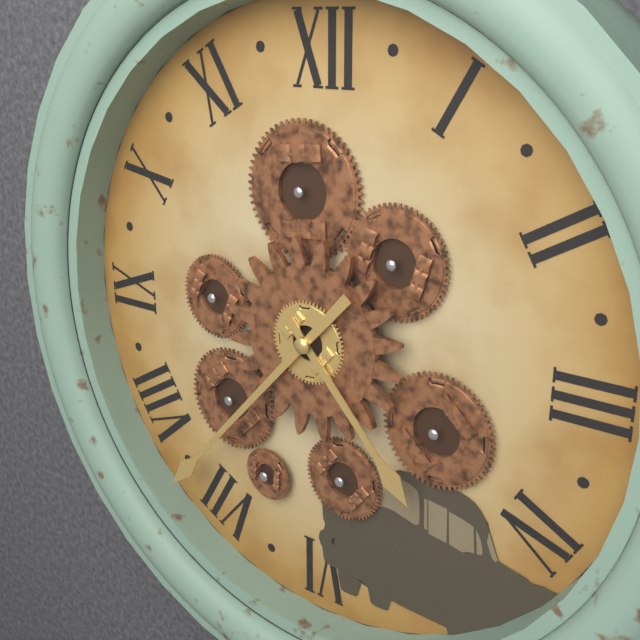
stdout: 4 h 37 min
